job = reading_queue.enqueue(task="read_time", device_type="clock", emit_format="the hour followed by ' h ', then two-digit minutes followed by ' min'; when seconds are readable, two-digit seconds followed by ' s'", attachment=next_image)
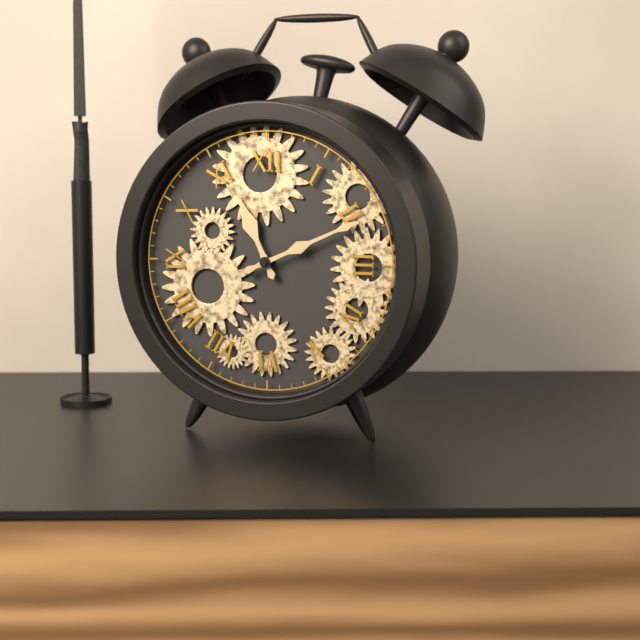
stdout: 11 h 11 min
